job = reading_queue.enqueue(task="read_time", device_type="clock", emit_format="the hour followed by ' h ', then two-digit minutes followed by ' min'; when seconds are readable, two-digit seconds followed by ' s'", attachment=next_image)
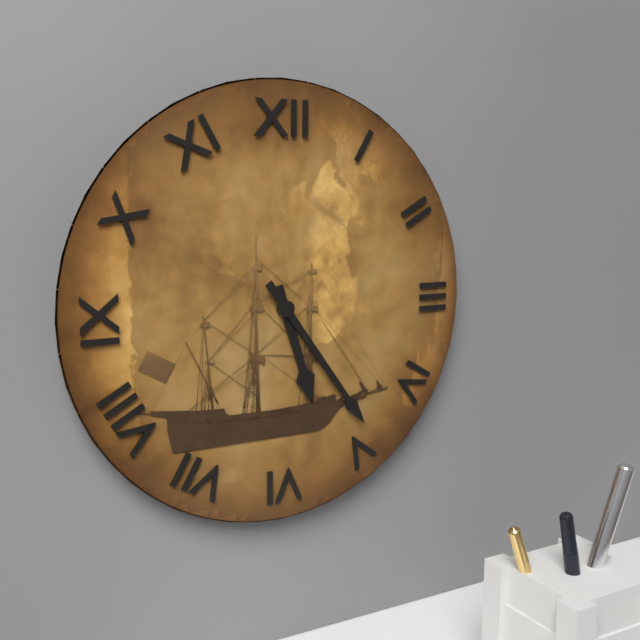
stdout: 5 h 24 min
